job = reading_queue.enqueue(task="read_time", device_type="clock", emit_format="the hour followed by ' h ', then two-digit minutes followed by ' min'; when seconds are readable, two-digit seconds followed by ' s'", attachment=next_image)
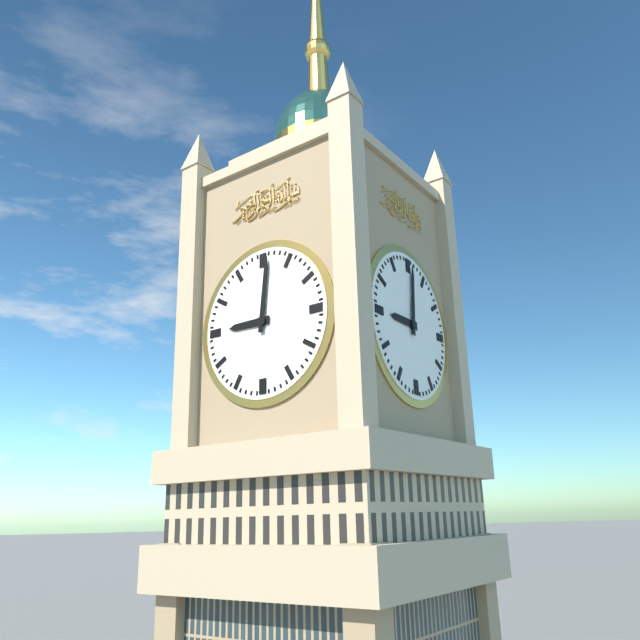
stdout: 9 h 01 min
